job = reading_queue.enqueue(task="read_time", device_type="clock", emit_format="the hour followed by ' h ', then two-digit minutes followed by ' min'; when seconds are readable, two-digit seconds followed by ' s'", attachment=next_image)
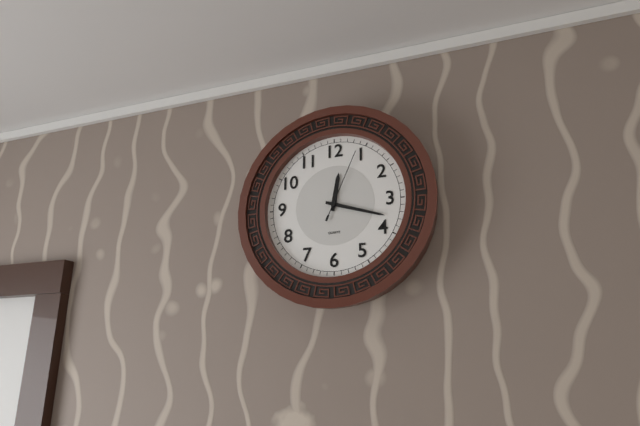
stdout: 12 h 18 min 04 s
